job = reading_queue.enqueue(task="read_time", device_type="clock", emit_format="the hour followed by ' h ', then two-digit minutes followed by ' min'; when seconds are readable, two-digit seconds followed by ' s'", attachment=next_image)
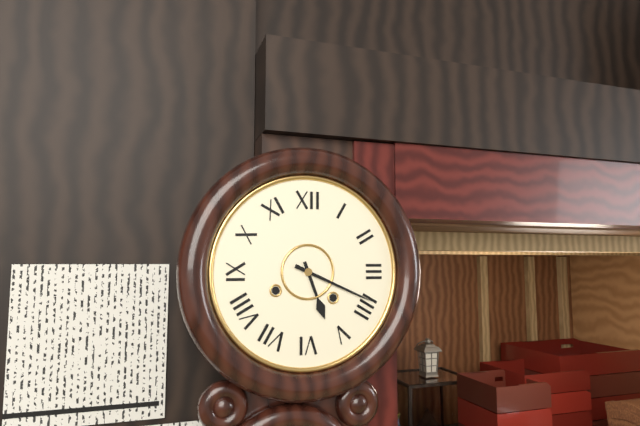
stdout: 5 h 19 min
